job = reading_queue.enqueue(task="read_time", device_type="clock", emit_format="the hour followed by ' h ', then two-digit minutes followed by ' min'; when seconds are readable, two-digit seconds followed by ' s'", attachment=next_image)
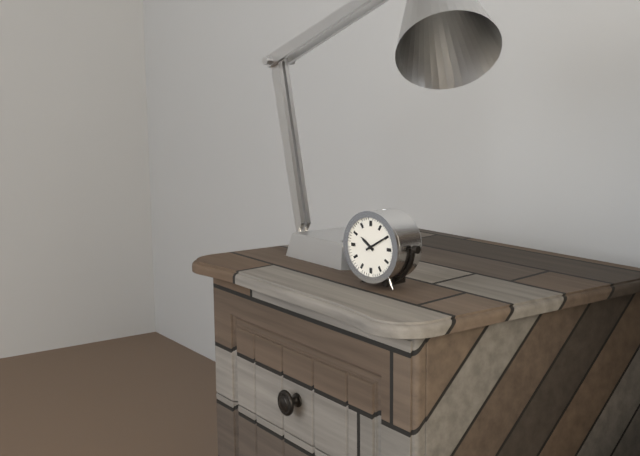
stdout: 10 h 10 min
